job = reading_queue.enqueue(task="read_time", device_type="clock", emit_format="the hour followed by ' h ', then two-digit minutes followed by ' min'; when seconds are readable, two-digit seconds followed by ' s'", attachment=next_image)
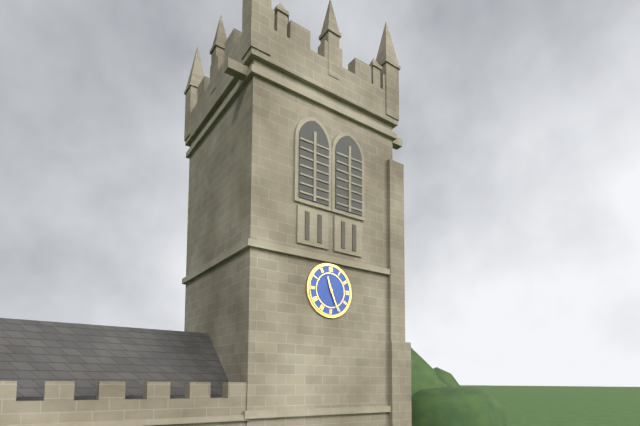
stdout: 11 h 26 min
